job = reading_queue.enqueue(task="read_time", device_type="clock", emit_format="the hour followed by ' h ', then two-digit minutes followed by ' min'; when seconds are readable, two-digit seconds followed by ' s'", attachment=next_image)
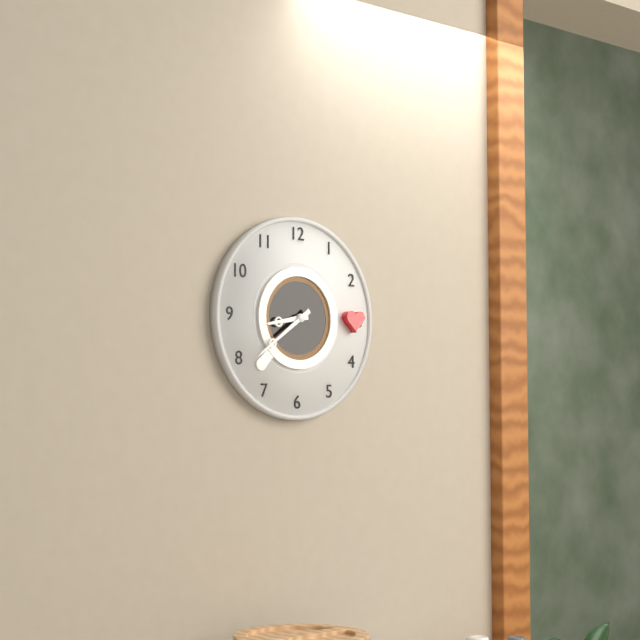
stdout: 8 h 39 min
